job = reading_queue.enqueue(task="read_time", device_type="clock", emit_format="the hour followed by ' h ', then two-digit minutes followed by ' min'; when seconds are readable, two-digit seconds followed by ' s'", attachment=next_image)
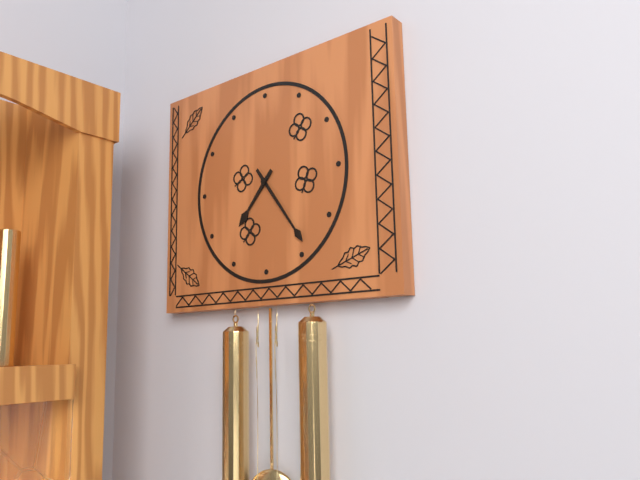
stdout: 7 h 24 min
